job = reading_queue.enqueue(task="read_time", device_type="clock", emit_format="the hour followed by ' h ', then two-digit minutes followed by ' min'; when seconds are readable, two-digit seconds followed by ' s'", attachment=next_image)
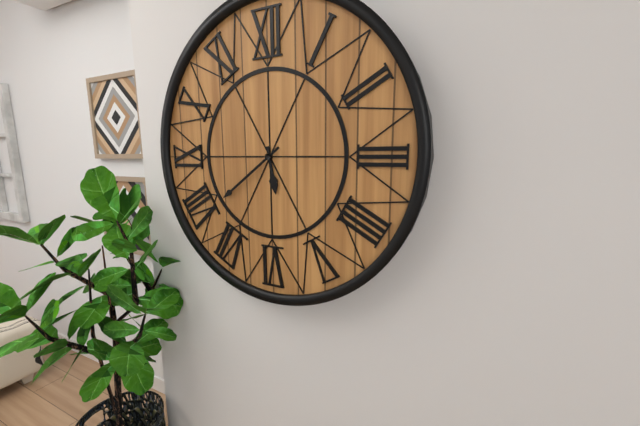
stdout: 5 h 39 min
